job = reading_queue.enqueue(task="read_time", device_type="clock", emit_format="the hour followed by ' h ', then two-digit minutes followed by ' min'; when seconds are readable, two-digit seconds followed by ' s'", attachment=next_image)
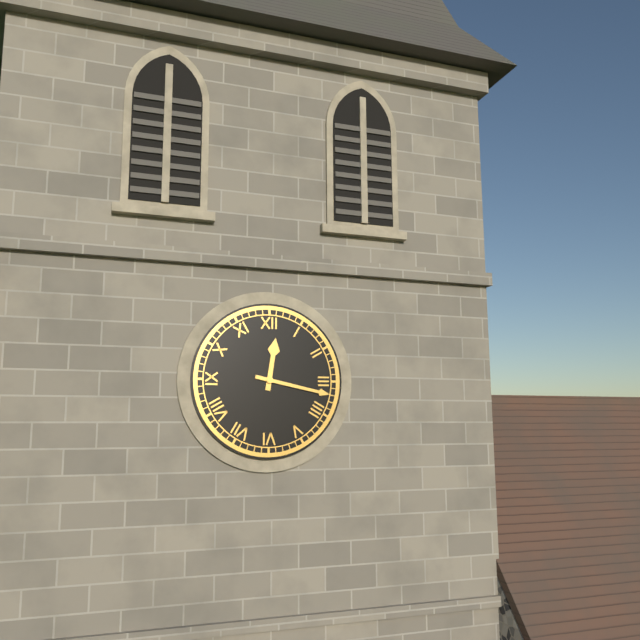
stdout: 12 h 17 min
